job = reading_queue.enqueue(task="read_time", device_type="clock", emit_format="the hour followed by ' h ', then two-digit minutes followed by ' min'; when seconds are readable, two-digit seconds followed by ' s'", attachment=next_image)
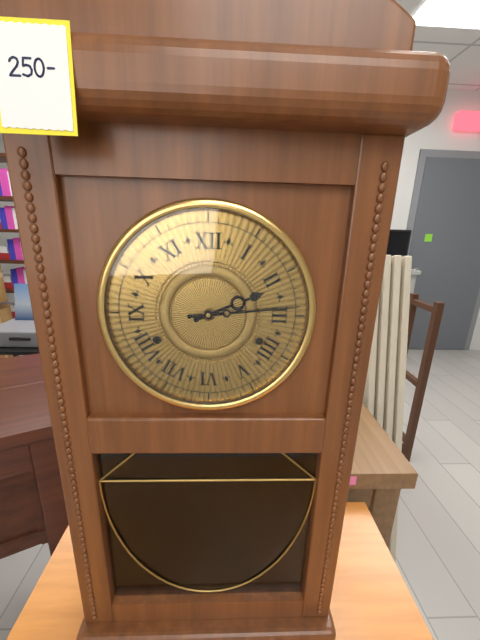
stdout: 2 h 14 min
